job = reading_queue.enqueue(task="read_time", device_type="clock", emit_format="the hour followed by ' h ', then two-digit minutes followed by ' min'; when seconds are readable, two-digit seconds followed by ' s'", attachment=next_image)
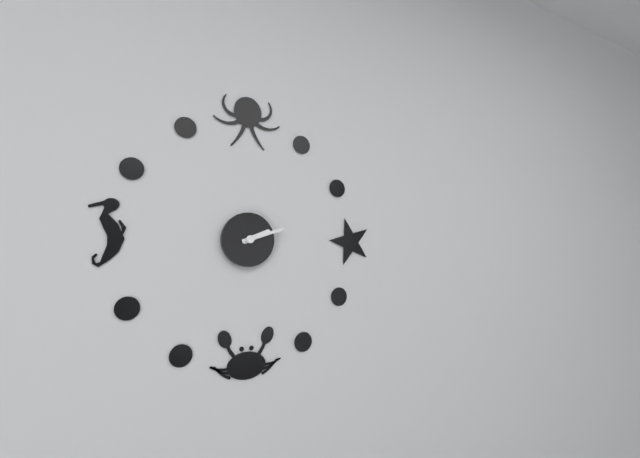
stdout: 2 h 12 min
